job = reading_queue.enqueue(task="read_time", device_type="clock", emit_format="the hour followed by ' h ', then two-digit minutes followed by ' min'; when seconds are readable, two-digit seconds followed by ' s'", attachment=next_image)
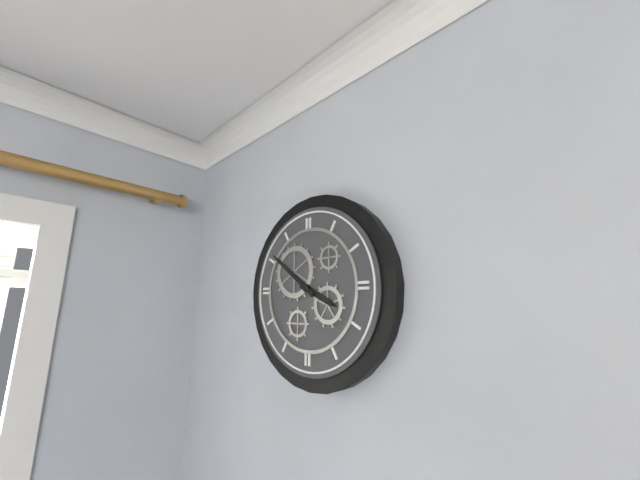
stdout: 3 h 51 min
